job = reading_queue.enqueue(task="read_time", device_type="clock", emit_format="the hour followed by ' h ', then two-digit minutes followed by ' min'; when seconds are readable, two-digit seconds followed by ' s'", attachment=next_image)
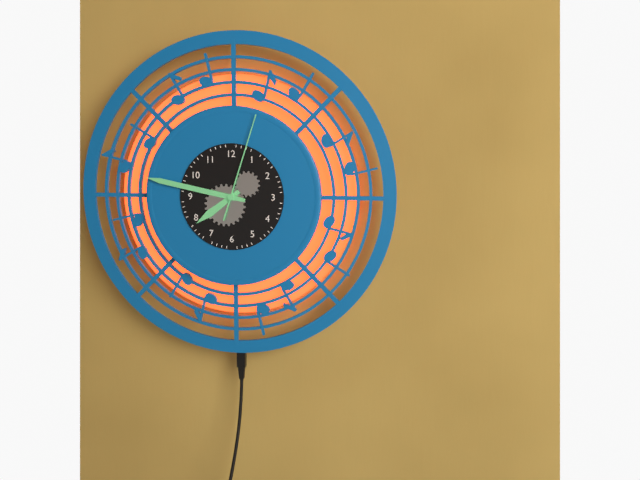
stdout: 7 h 47 min 03 s
